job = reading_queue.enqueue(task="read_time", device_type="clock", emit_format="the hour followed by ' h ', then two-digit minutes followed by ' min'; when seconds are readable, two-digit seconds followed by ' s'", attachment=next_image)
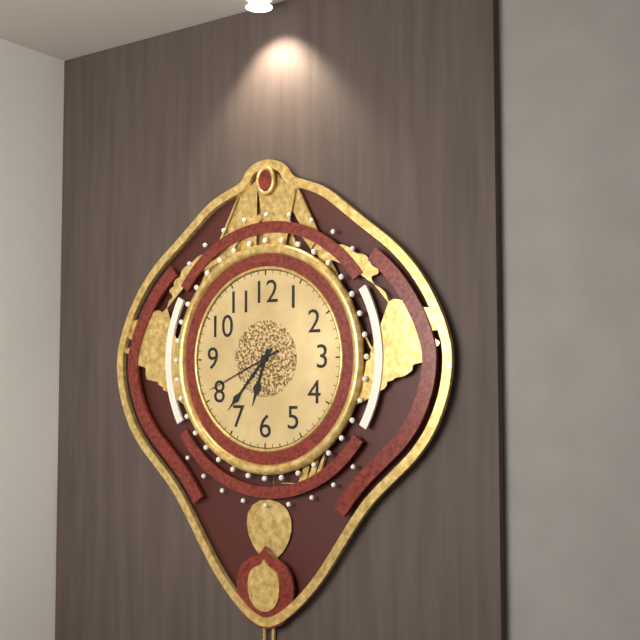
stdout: 6 h 37 min 41 s
